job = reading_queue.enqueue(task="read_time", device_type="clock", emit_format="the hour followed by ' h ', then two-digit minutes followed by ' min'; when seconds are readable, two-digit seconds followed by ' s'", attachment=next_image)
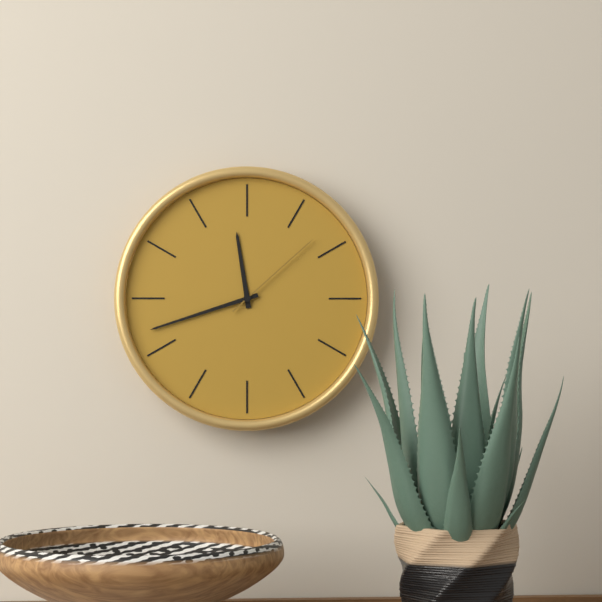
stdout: 11 h 42 min 08 s
